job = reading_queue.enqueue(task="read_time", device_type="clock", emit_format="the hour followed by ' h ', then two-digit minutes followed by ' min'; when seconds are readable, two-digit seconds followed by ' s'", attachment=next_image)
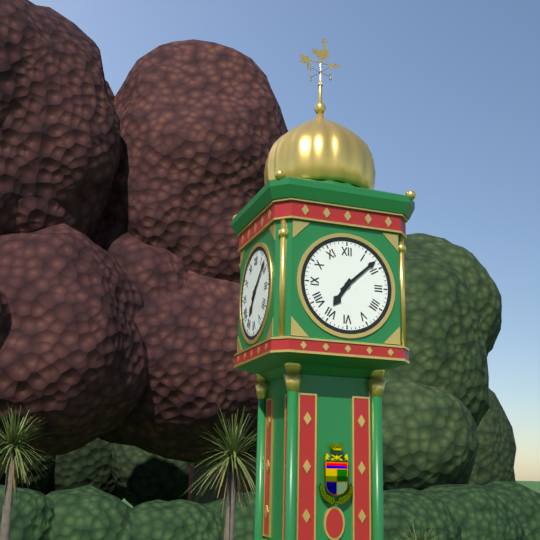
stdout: 7 h 08 min
